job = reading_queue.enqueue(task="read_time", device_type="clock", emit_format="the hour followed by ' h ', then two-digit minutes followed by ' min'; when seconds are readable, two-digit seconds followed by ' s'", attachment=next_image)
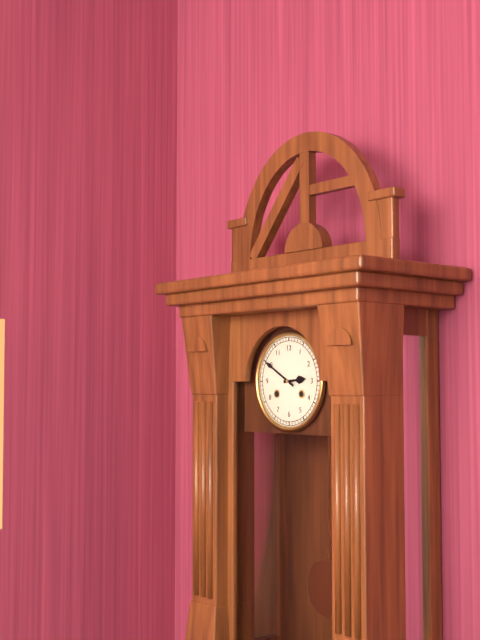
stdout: 2 h 50 min
